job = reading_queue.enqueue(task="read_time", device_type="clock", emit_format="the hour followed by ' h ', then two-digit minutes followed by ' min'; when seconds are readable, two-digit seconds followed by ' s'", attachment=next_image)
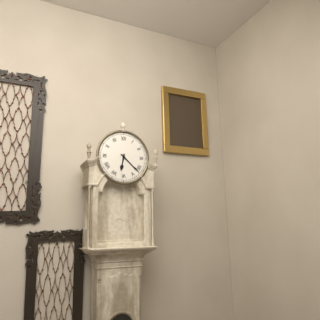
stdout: 6 h 22 min
